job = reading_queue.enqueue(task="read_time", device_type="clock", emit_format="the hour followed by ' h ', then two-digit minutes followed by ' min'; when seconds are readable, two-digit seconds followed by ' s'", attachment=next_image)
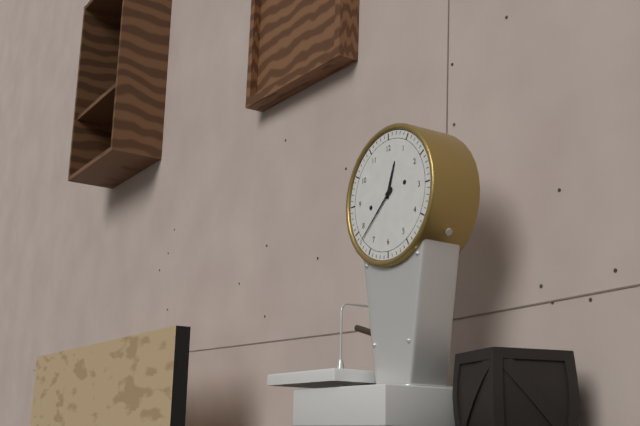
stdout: 12 h 38 min
